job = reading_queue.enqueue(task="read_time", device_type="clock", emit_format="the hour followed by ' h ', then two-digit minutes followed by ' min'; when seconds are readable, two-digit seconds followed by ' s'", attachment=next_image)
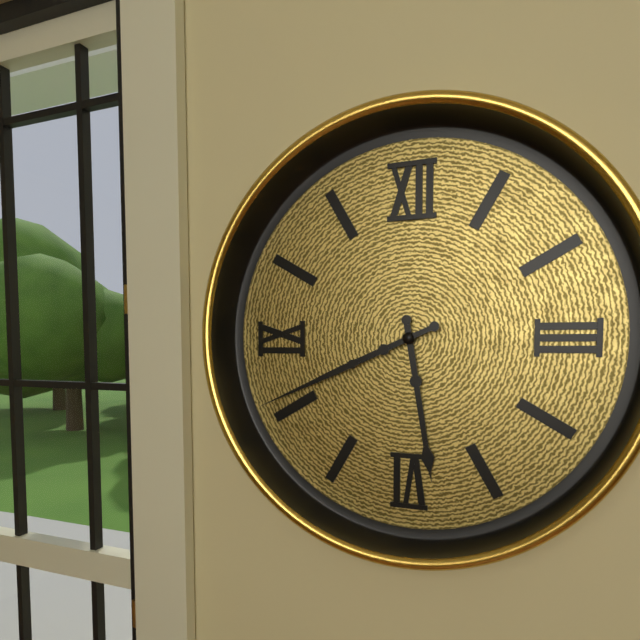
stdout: 5 h 41 min
